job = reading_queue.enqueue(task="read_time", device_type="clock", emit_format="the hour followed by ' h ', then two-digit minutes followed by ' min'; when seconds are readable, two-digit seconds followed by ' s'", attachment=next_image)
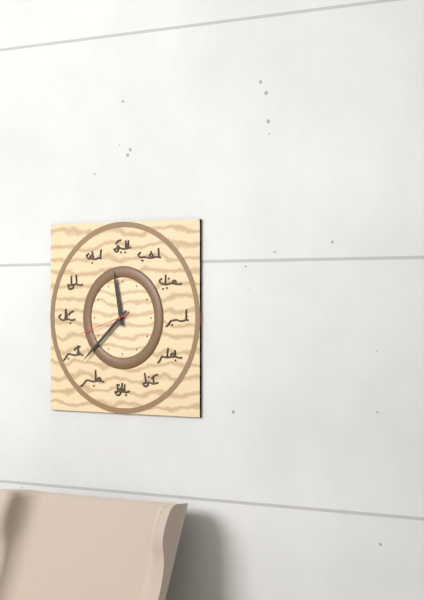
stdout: 11 h 38 min 42 s
